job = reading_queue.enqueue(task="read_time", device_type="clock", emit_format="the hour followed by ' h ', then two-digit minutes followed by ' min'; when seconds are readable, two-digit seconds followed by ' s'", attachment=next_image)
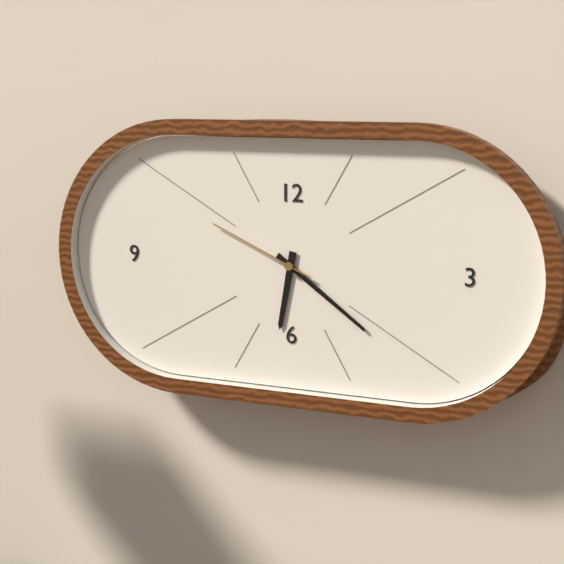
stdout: 6 h 21 min 49 s
